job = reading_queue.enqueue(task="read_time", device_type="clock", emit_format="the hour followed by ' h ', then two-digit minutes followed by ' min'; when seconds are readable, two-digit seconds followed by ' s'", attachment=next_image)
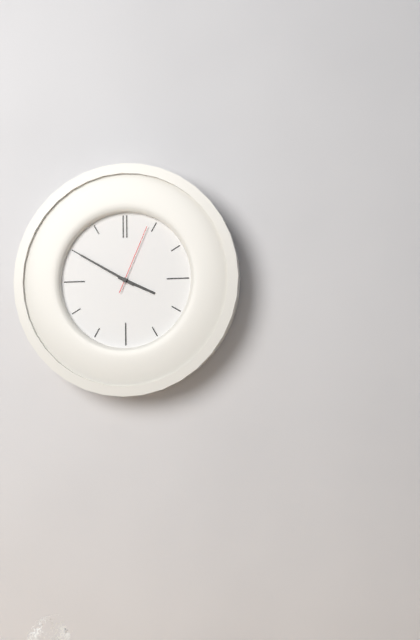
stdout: 3 h 50 min 04 s
